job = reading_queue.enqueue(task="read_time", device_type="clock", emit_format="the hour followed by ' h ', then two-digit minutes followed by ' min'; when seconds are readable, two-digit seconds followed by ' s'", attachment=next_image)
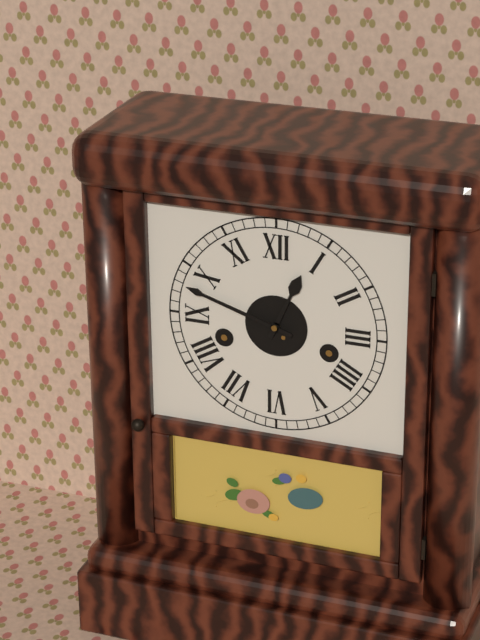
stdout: 12 h 48 min
